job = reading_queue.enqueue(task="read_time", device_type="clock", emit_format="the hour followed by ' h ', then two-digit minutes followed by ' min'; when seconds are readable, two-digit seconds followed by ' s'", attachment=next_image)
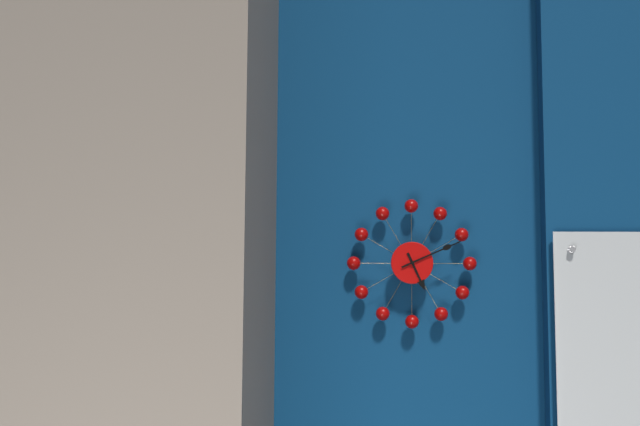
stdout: 5 h 11 min
